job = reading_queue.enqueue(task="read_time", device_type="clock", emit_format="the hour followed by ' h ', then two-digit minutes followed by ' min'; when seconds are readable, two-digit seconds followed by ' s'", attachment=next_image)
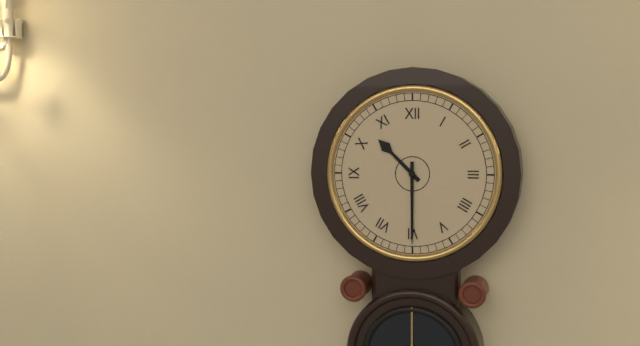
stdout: 10 h 30 min
